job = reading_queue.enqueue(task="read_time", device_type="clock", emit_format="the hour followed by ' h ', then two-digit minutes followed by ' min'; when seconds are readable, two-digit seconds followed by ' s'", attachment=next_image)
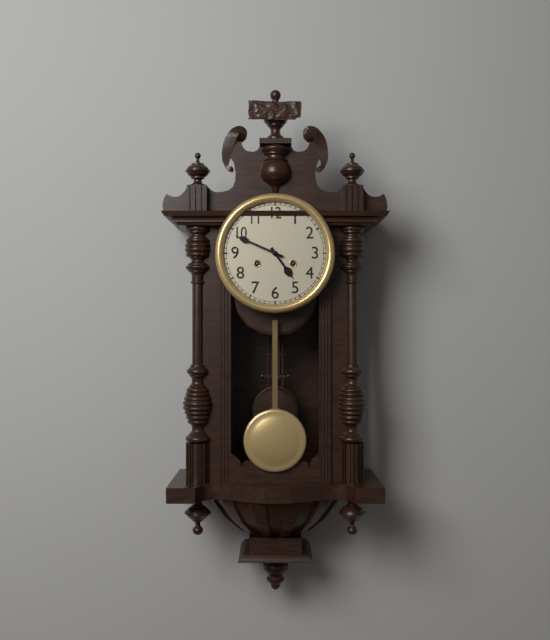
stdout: 4 h 49 min
